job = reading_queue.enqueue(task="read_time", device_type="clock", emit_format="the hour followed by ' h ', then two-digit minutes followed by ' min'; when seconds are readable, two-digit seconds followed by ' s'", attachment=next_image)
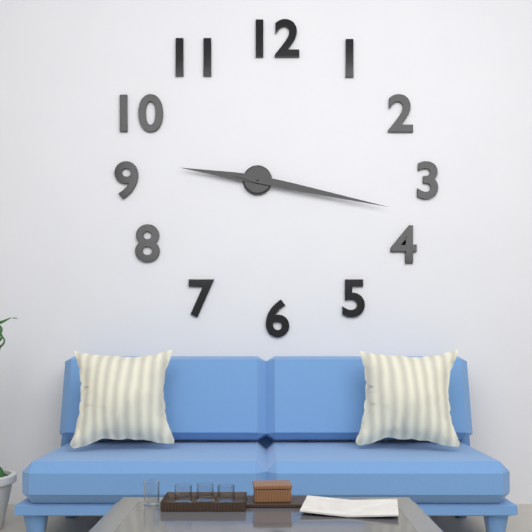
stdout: 9 h 17 min
